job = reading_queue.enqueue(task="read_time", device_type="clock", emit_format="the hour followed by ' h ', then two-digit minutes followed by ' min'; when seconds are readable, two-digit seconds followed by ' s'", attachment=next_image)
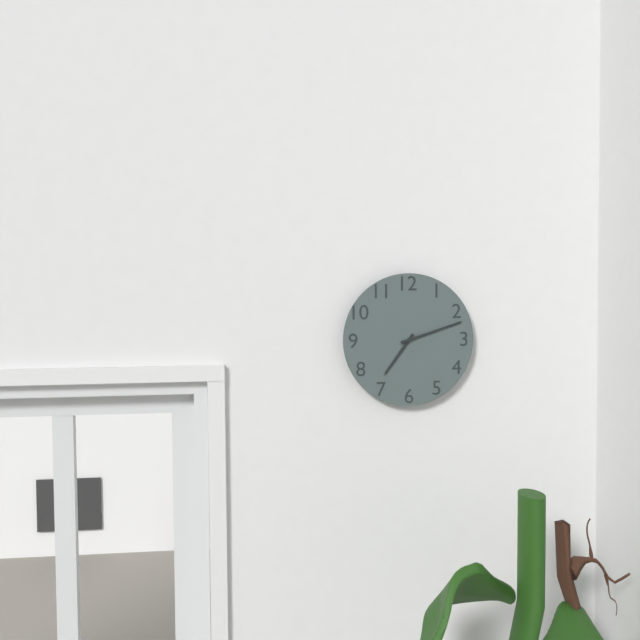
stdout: 7 h 12 min
